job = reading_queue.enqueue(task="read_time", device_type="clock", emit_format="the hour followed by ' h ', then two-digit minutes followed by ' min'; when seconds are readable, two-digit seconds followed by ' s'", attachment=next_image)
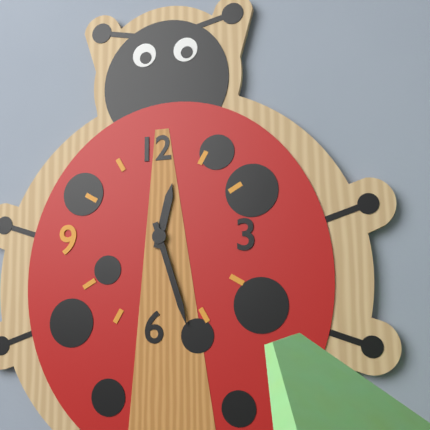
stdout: 12 h 27 min
